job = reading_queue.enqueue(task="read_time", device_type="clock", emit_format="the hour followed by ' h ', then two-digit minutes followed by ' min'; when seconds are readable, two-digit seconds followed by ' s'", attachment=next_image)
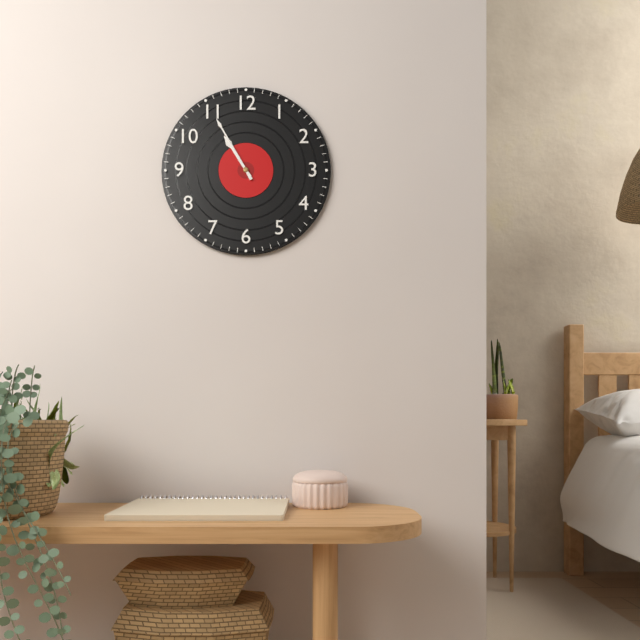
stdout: 10 h 55 min
